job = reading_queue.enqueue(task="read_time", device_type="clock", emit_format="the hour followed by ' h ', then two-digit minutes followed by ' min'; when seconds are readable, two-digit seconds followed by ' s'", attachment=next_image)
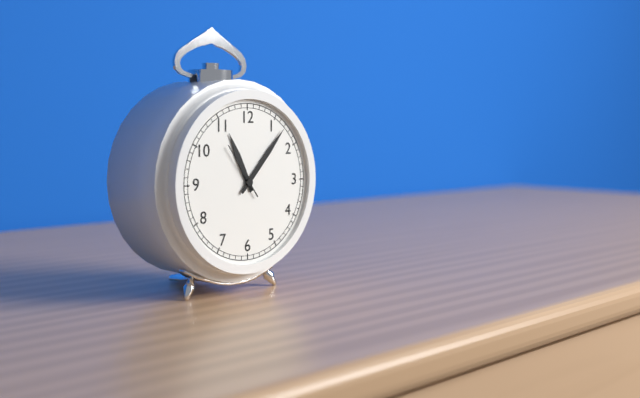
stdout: 11 h 07 min 54 s
